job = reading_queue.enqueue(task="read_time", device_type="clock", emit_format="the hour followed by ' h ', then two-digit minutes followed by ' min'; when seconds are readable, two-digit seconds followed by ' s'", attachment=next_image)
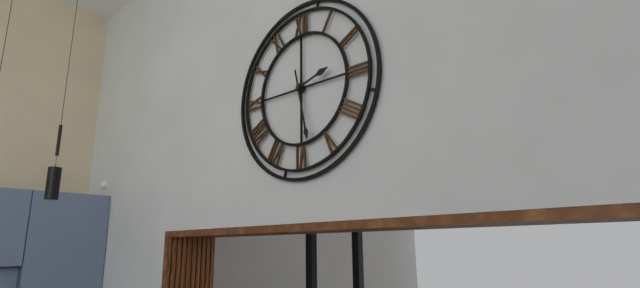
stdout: 2 h 28 min
